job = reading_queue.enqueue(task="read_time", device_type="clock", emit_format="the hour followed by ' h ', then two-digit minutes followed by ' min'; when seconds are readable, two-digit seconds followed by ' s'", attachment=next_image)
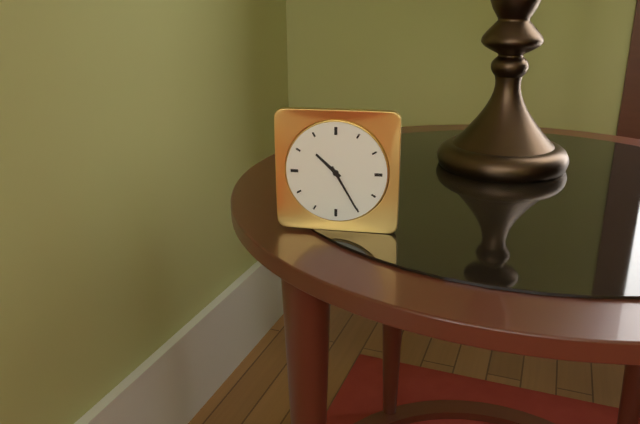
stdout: 10 h 25 min
